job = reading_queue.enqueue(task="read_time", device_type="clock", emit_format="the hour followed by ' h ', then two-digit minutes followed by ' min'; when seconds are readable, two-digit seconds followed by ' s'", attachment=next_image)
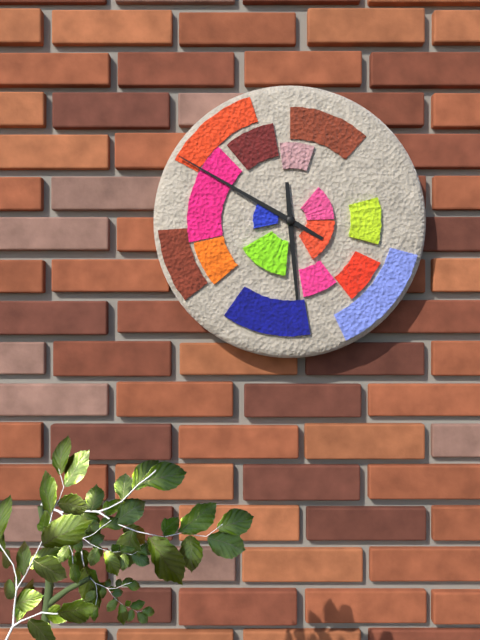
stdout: 5 h 50 min
